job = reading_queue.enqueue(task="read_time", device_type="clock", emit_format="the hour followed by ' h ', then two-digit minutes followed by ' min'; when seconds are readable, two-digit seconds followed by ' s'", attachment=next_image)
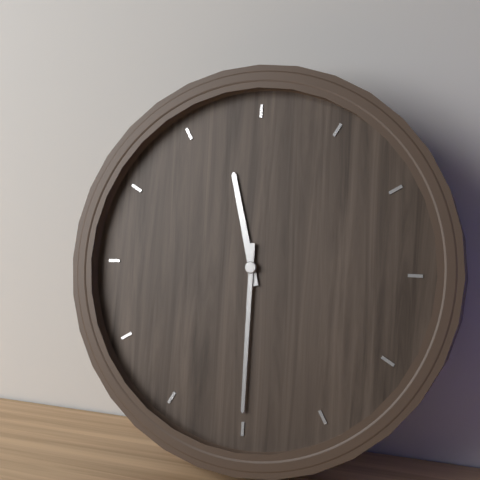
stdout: 11 h 30 min
